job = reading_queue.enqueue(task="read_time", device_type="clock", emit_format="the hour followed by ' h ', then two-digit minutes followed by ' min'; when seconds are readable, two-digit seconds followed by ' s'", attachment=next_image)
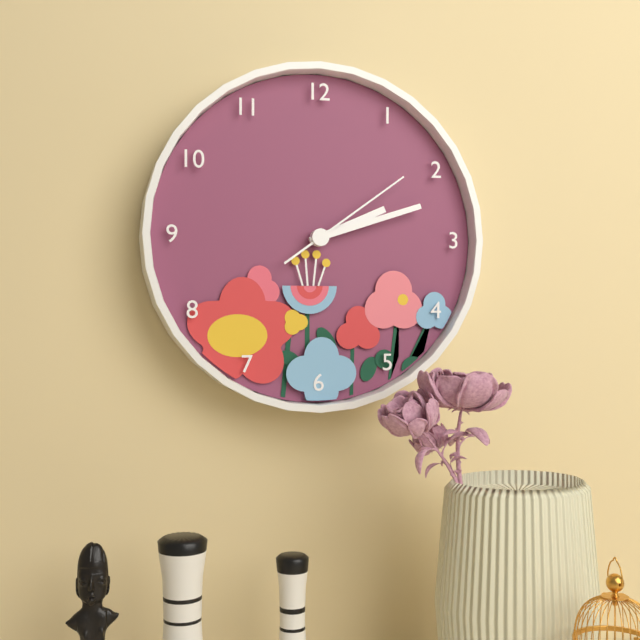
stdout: 2 h 12 min 09 s
